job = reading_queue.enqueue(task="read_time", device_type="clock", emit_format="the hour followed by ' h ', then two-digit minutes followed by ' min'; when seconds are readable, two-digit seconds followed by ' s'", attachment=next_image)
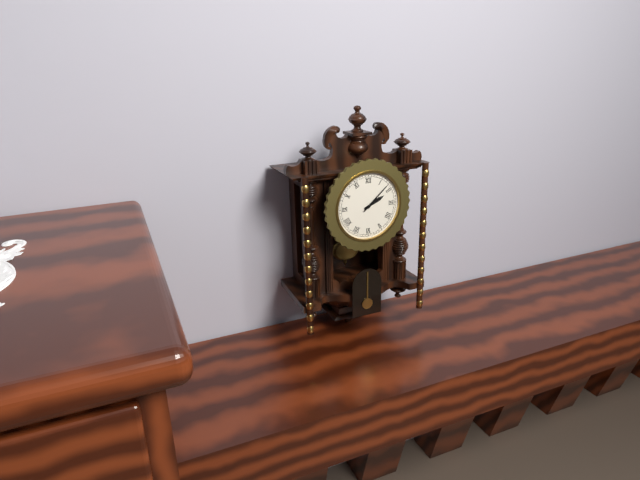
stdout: 2 h 08 min
